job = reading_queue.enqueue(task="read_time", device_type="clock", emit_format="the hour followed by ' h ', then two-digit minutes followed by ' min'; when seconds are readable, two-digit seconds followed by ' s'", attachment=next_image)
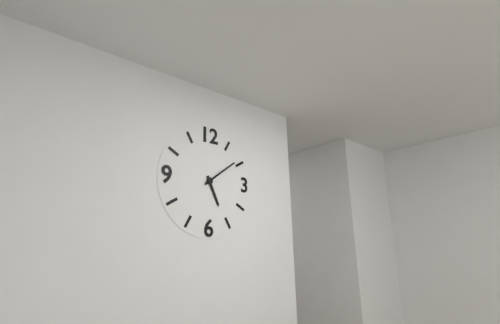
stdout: 5 h 09 min
